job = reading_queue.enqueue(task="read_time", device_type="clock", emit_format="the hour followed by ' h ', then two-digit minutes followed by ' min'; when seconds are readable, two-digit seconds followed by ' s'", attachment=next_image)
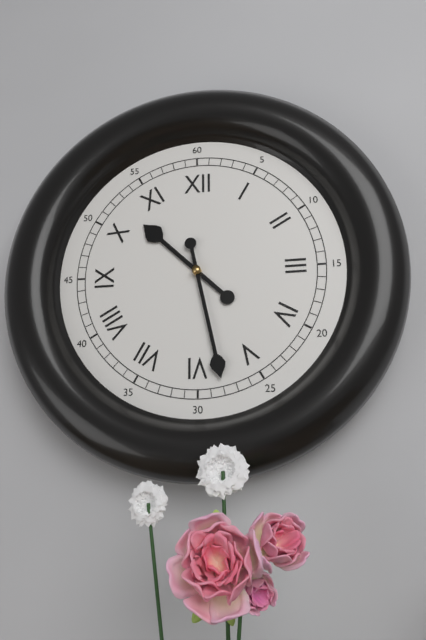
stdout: 10 h 28 min
